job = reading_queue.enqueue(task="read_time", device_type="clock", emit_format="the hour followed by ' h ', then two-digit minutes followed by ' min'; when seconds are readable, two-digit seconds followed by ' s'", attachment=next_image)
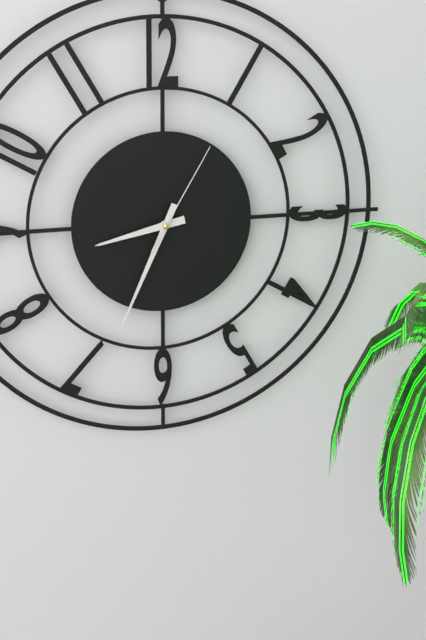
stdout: 8 h 34 min 05 s
